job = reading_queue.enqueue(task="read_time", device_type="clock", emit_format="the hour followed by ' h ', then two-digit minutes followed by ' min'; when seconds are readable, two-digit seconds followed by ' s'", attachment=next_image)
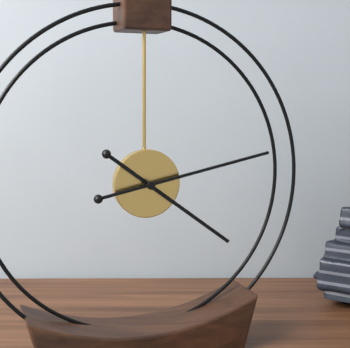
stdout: 4 h 13 min
